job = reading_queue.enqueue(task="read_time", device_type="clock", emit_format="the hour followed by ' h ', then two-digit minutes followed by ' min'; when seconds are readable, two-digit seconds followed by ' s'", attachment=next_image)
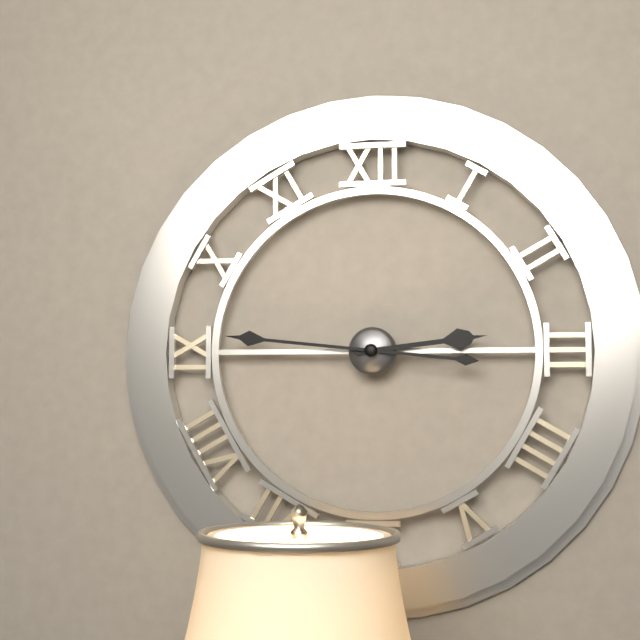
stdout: 2 h 46 min
